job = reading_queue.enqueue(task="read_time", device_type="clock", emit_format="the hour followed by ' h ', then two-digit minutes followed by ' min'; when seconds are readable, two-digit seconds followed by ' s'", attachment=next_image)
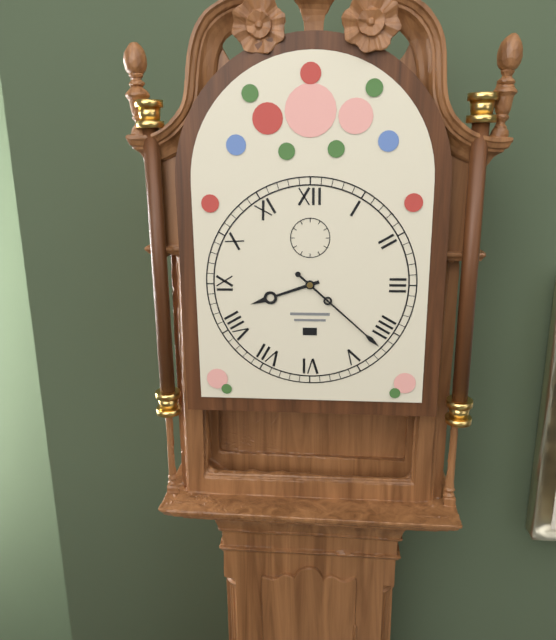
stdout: 8 h 22 min
